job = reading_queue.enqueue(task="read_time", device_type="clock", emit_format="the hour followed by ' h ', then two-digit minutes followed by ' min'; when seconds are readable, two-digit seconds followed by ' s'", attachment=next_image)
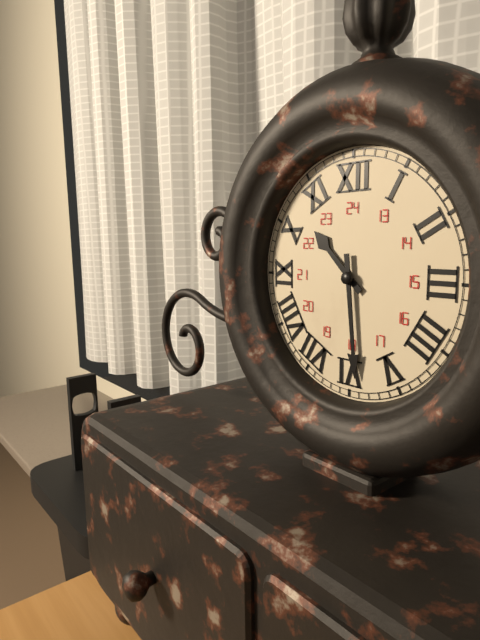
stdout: 10 h 29 min
